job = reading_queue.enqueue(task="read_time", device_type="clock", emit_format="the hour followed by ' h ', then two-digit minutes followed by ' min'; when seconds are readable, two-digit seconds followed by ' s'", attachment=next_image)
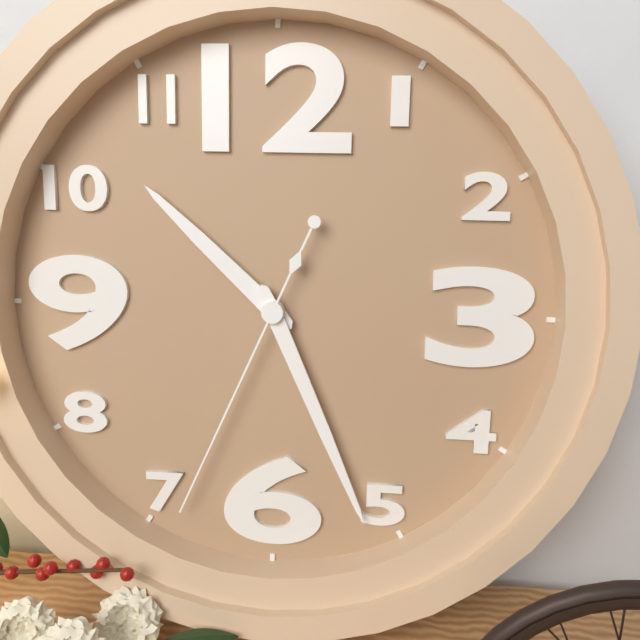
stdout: 10 h 26 min 34 s
